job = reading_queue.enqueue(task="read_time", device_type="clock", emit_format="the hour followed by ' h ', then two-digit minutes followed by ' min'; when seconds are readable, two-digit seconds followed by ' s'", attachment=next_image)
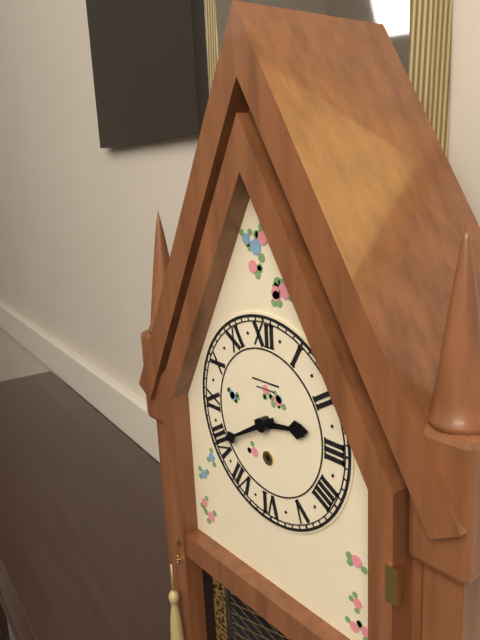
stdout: 2 h 40 min
